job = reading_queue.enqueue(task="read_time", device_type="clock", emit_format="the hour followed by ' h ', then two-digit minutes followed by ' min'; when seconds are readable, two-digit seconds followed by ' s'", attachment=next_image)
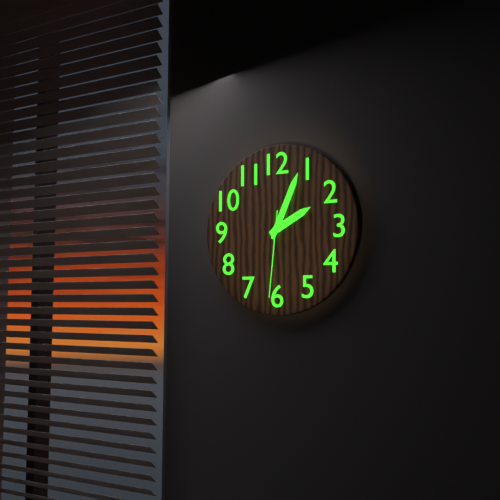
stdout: 2 h 04 min 31 s
